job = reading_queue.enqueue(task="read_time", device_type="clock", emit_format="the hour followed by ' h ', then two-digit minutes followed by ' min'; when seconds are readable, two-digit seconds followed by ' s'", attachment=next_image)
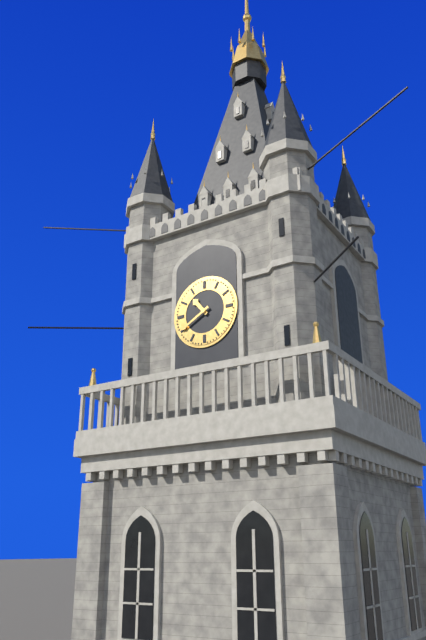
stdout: 10 h 40 min
